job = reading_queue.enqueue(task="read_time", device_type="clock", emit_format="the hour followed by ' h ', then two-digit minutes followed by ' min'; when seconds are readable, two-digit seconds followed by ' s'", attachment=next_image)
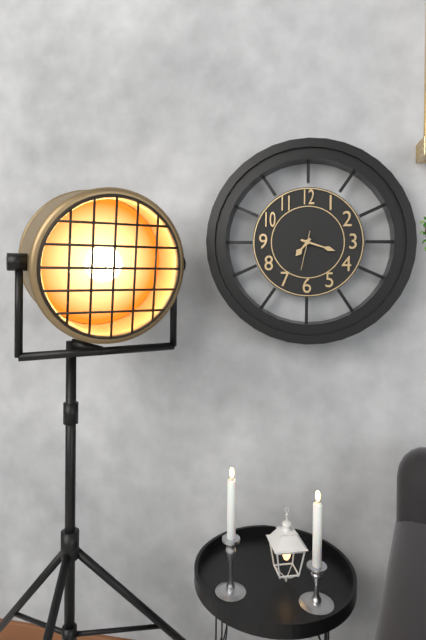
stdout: 7 h 18 min
